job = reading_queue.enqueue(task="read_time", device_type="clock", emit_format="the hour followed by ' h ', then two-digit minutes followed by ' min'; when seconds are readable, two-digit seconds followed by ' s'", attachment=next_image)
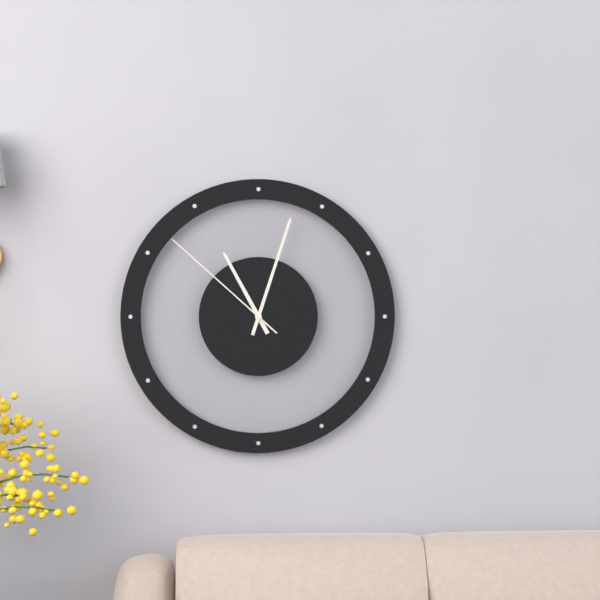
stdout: 11 h 03 min 52 s
